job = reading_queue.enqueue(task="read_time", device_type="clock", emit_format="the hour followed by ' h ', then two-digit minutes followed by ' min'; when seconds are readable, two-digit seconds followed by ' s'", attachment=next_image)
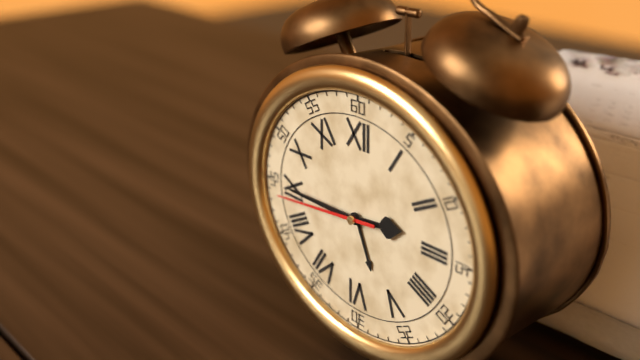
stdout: 2 h 45 min 44 s
